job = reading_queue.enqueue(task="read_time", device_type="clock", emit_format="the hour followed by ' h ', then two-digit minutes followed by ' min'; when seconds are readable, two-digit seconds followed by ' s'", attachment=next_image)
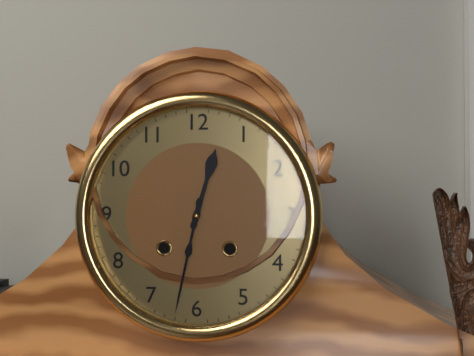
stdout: 12 h 32 min
